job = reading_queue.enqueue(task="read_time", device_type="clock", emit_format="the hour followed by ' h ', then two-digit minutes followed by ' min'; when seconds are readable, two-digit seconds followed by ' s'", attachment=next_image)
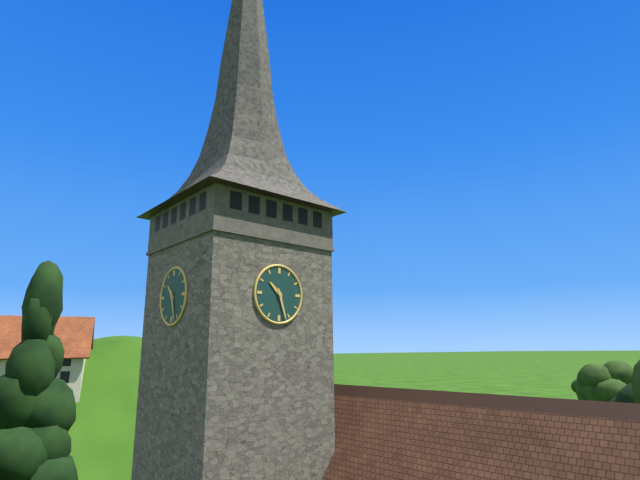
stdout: 10 h 27 min
